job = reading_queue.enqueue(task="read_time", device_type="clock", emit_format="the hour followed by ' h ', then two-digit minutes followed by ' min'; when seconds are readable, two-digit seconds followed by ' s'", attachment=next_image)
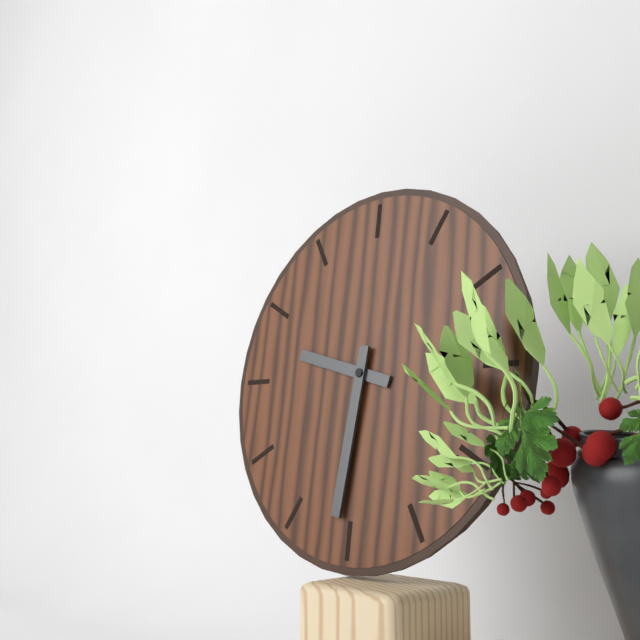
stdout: 9 h 31 min
